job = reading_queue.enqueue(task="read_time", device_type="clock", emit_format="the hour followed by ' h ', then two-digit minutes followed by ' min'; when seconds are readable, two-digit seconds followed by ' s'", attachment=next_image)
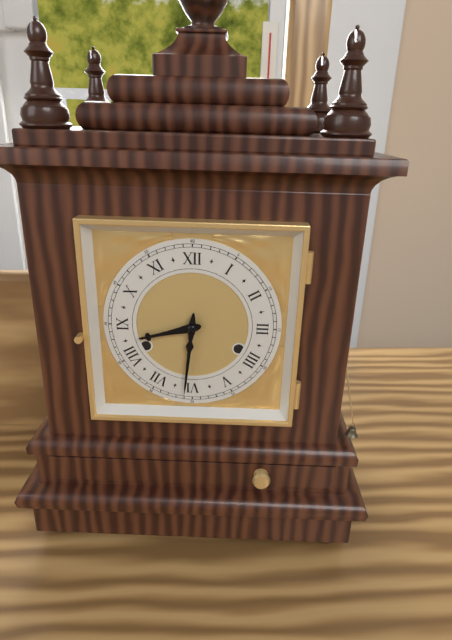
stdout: 8 h 31 min
